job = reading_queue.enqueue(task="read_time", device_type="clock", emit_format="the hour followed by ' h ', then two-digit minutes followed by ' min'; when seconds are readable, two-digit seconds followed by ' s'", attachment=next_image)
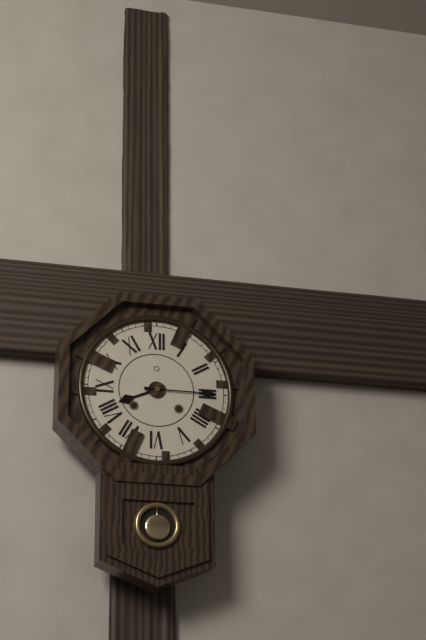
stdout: 8 h 15 min
